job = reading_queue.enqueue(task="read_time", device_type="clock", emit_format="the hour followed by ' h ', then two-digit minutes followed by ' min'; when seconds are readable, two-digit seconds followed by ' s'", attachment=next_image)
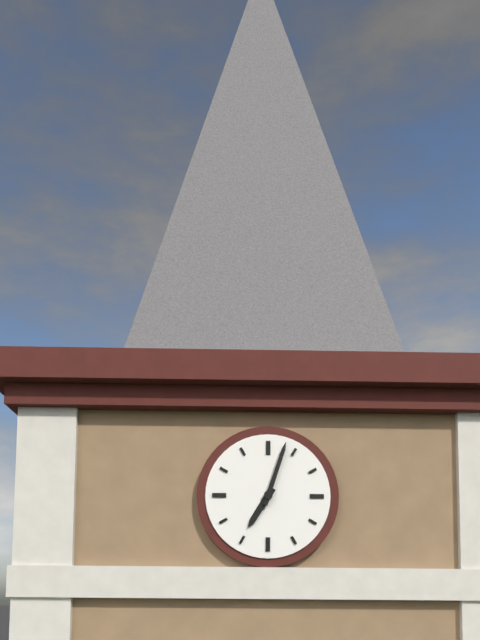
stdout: 7 h 03 min
